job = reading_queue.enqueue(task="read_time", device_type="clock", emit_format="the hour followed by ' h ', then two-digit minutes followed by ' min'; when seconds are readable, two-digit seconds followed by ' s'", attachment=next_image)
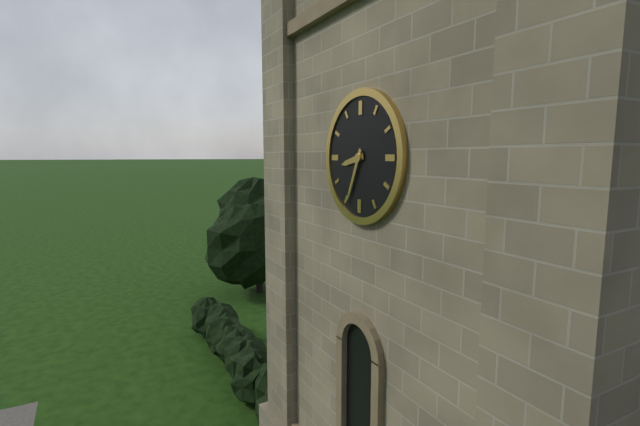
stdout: 8 h 34 min
